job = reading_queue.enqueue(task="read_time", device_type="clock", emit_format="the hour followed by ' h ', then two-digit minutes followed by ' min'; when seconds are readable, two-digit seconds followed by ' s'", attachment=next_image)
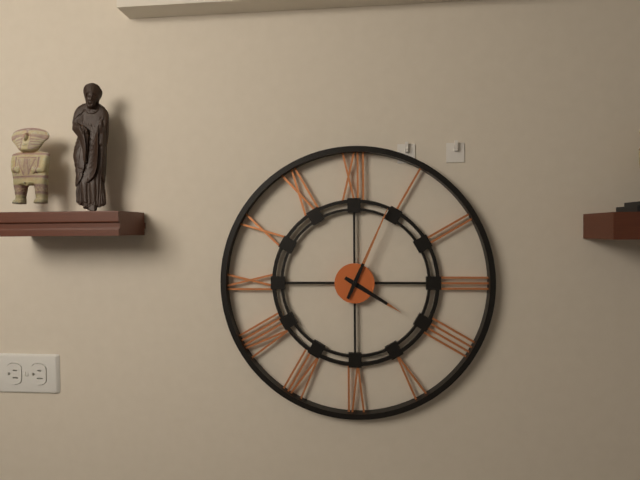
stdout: 4 h 04 min
